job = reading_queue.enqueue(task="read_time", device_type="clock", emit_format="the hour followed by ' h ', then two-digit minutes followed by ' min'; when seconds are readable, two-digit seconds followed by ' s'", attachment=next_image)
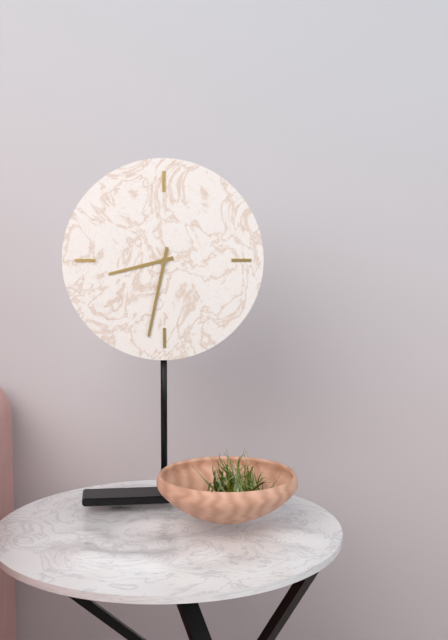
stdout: 8 h 32 min
